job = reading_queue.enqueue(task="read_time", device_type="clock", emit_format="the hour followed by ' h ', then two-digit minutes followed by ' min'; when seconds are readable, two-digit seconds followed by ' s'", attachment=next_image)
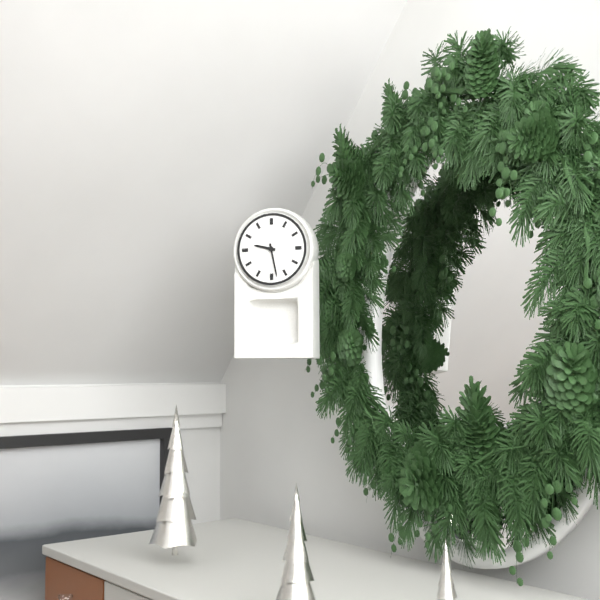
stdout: 9 h 28 min
